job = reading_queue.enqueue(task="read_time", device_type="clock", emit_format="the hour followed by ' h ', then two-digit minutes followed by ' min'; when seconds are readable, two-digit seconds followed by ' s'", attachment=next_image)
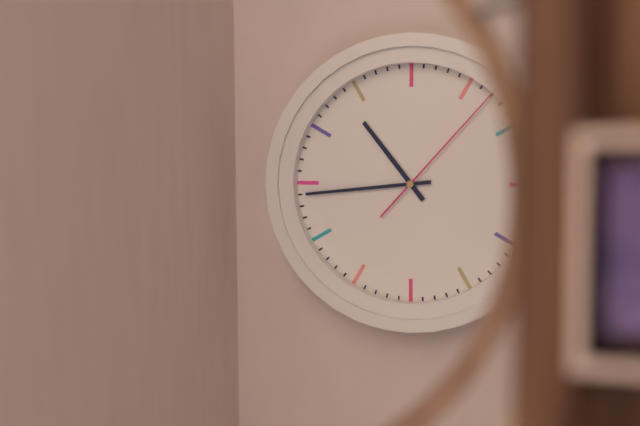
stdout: 10 h 44 min 07 s
